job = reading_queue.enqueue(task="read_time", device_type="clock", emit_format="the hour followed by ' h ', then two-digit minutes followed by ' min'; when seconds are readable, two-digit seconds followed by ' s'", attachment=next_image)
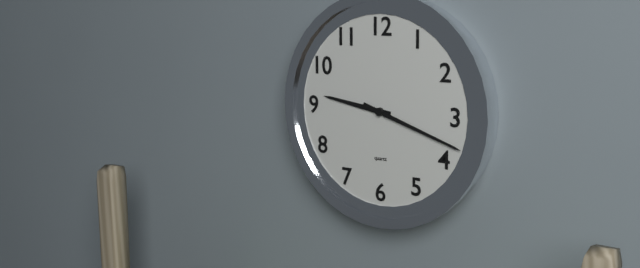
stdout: 9 h 18 min
